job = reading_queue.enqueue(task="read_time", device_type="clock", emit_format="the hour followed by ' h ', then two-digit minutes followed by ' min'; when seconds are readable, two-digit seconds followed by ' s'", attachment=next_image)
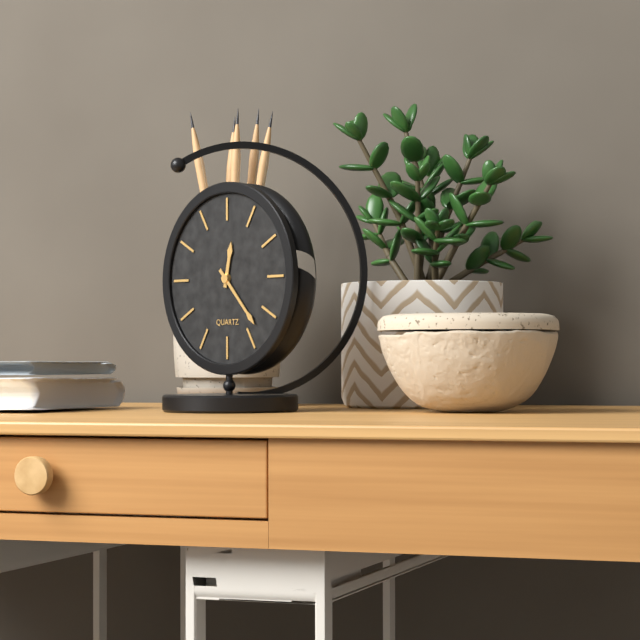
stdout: 12 h 23 min
